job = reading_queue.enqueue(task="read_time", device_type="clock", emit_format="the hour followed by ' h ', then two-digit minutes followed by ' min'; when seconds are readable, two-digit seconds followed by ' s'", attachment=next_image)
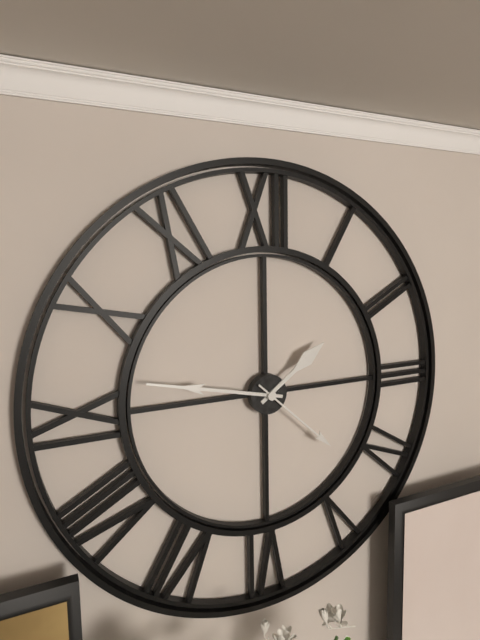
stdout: 1 h 47 min 22 s
